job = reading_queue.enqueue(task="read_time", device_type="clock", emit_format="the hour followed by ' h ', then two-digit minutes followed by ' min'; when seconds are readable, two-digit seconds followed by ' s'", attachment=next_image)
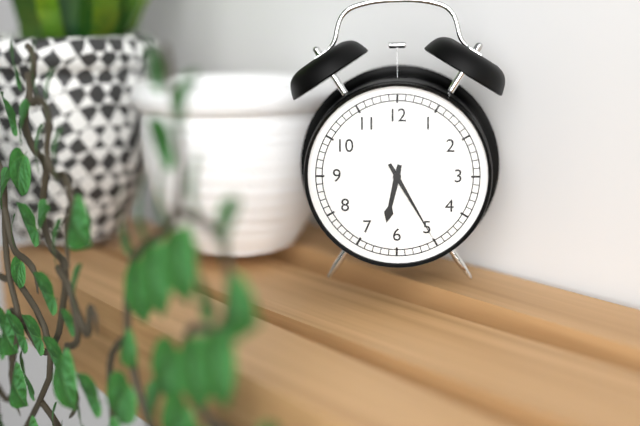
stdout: 6 h 25 min
